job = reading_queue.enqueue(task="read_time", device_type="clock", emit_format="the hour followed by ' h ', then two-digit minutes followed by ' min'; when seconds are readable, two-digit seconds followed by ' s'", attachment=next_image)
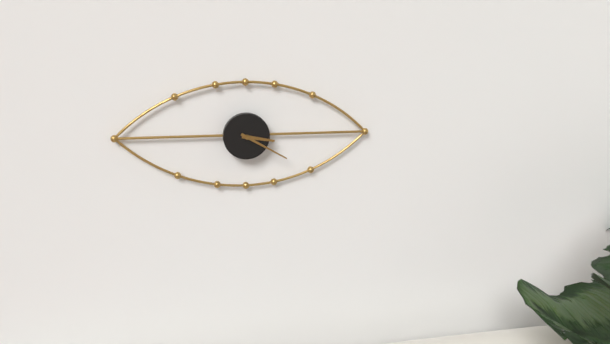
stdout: 3 h 20 min
